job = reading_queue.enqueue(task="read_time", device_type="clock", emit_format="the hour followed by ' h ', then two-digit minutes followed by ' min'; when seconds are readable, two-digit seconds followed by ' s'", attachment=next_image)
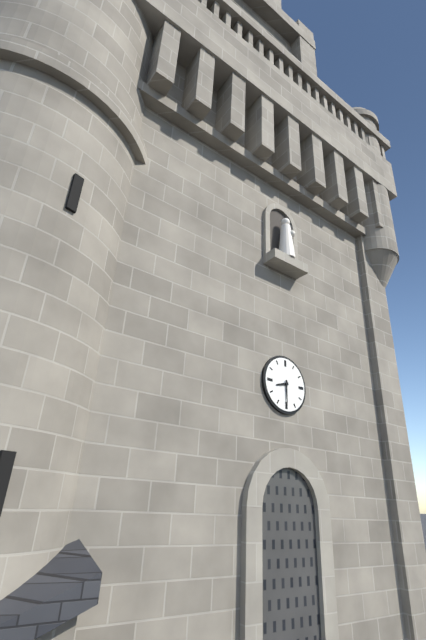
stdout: 8 h 30 min
